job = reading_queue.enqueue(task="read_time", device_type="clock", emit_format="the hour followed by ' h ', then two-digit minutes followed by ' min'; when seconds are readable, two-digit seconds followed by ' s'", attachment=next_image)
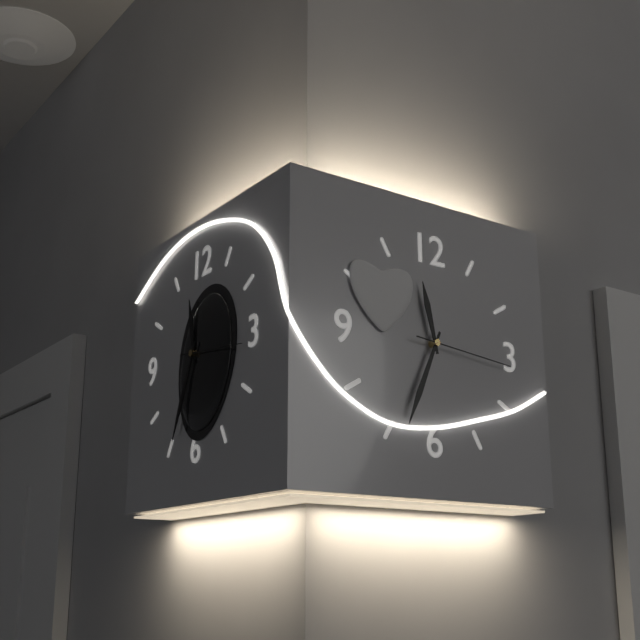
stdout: 11 h 34 min 16 s
